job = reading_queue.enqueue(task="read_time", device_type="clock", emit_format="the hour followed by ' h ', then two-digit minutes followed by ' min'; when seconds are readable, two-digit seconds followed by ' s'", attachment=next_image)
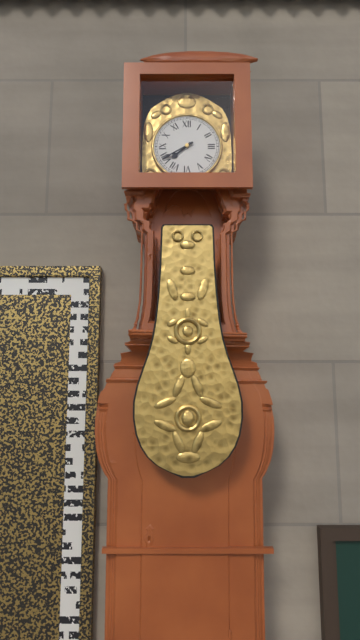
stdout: 7 h 40 min
